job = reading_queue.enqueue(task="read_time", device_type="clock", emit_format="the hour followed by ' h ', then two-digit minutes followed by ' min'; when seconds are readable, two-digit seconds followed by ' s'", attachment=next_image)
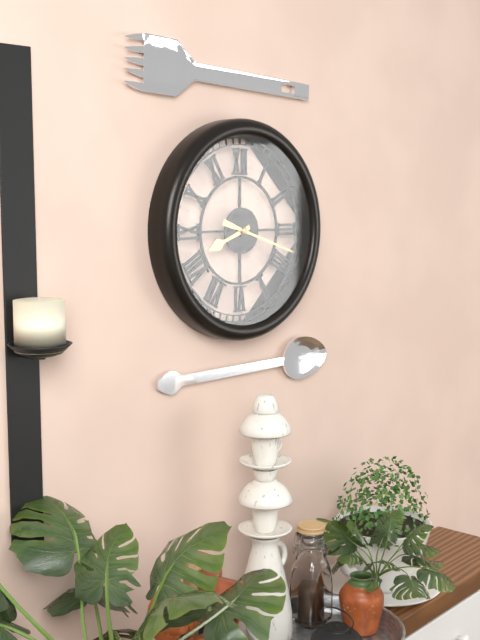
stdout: 8 h 18 min
